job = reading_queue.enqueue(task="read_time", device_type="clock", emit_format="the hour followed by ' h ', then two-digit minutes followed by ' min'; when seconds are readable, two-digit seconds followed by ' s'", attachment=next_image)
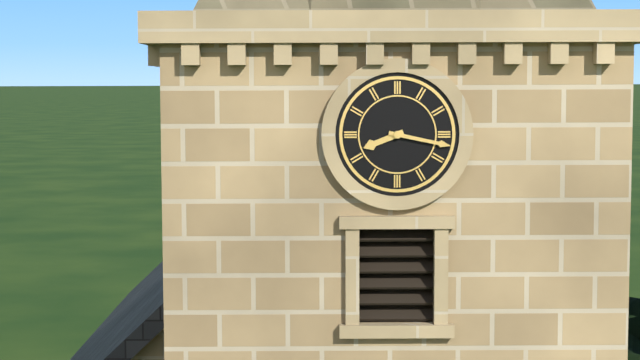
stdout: 8 h 17 min
